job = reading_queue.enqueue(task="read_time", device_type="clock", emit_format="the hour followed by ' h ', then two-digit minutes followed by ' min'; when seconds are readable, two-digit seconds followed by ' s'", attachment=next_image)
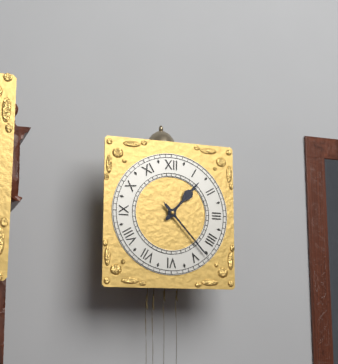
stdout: 1 h 23 min
